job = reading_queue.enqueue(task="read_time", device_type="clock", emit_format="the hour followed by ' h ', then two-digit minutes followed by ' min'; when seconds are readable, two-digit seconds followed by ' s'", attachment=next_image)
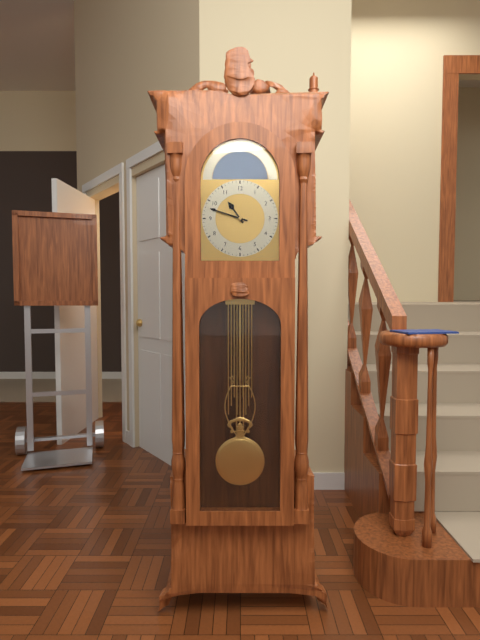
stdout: 10 h 48 min
